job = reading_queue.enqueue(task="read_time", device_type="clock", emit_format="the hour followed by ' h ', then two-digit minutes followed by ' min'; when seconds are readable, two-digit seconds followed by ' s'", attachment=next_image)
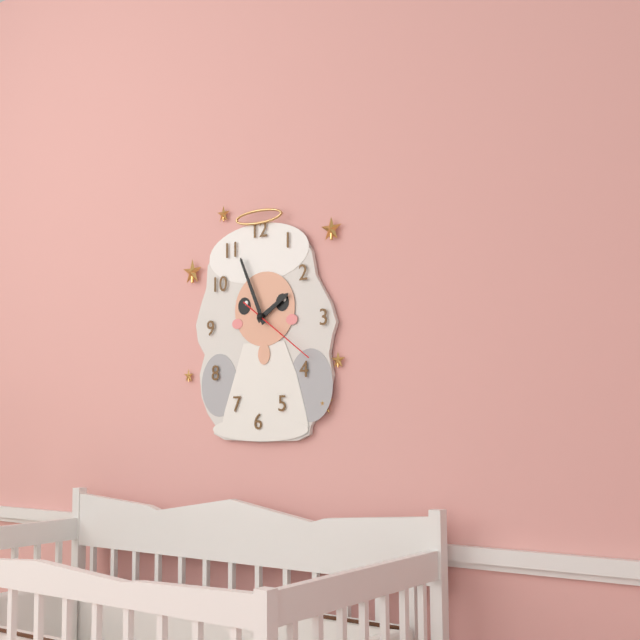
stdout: 1 h 56 min 21 s
